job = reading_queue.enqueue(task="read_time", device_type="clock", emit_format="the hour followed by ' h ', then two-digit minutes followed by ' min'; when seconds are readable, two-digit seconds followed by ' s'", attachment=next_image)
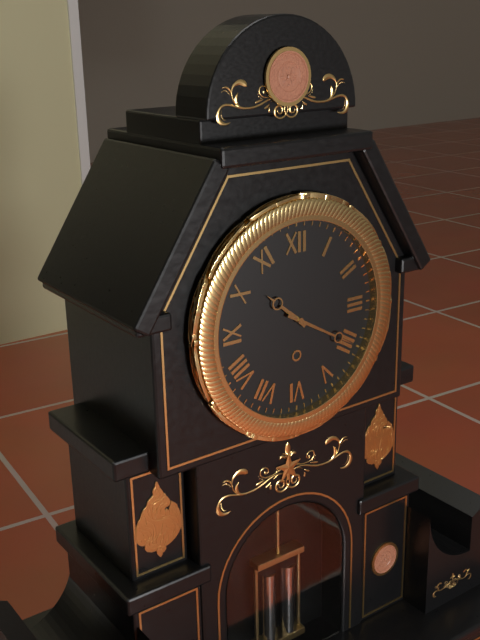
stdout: 10 h 20 min
